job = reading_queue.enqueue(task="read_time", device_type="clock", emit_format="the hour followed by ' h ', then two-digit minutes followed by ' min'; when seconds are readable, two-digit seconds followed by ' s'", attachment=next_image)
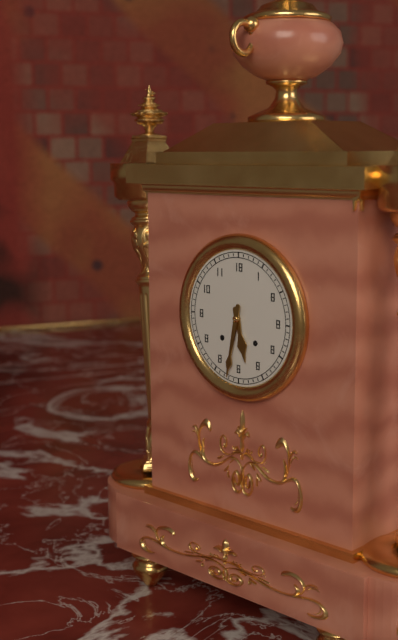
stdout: 5 h 32 min
